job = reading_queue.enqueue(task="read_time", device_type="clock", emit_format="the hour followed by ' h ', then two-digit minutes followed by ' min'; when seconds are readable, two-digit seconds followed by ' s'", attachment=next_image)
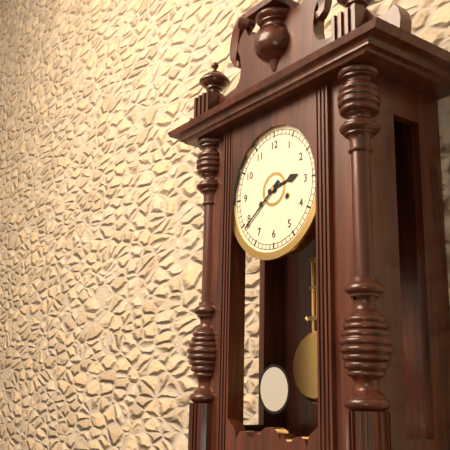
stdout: 2 h 39 min
